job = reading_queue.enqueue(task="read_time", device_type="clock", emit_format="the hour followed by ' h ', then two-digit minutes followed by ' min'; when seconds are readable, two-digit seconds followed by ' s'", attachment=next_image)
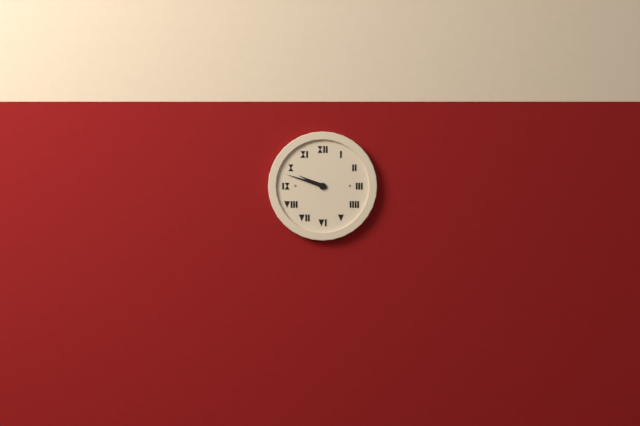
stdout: 9 h 48 min
